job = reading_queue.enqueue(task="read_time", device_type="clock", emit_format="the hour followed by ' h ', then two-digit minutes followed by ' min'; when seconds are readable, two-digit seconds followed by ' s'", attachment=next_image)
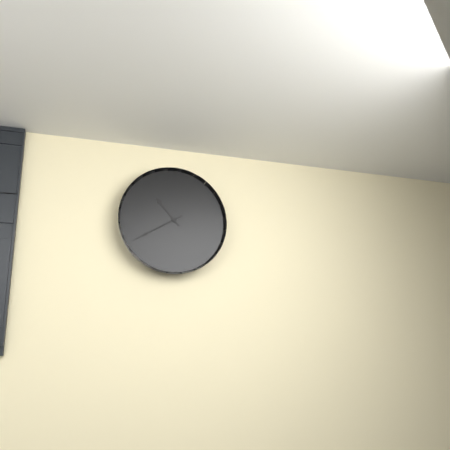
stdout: 10 h 40 min
